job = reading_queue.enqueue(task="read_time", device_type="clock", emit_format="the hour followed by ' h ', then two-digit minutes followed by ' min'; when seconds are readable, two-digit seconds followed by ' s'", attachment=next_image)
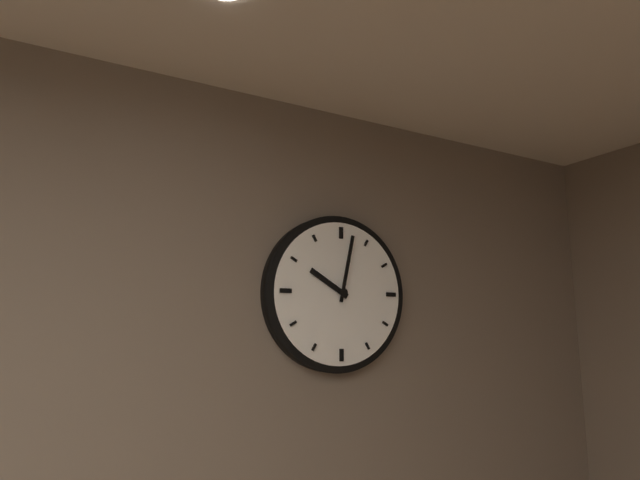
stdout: 10 h 02 min
